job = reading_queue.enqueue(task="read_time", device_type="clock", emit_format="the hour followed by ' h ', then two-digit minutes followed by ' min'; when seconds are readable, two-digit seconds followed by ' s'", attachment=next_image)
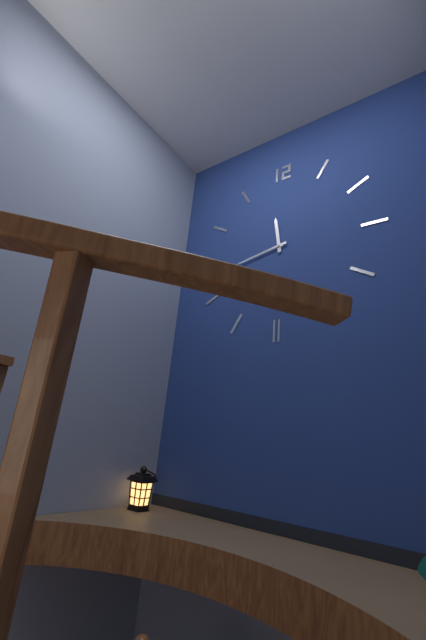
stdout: 11 h 43 min
